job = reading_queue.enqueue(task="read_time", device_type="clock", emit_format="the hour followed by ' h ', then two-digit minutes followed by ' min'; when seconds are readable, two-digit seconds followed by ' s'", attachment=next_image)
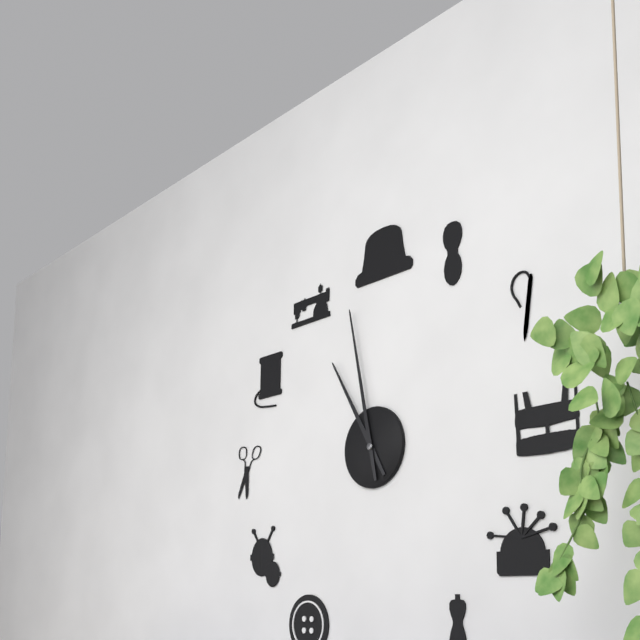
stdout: 10 h 58 min
